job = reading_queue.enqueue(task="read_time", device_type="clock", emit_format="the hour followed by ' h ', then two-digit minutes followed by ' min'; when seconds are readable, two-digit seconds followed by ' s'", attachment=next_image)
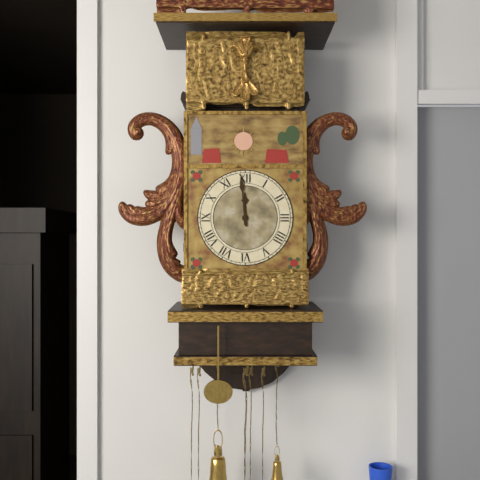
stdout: 11 h 59 min
